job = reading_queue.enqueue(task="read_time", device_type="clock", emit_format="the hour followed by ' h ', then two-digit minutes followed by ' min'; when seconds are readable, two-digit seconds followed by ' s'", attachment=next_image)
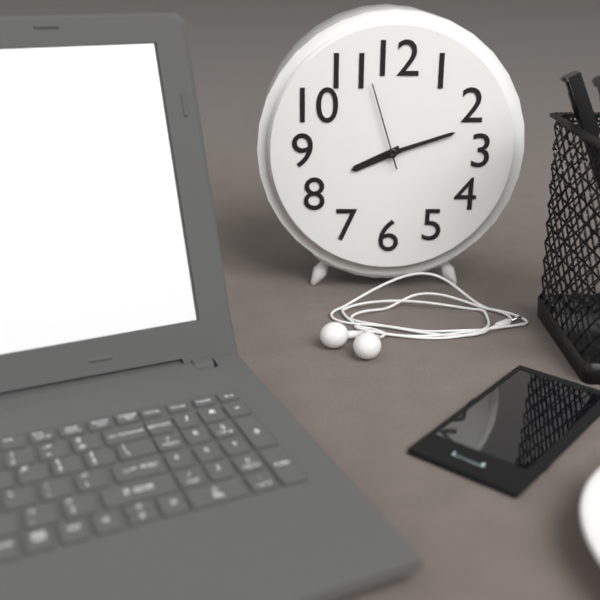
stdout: 8 h 12 min 57 s
